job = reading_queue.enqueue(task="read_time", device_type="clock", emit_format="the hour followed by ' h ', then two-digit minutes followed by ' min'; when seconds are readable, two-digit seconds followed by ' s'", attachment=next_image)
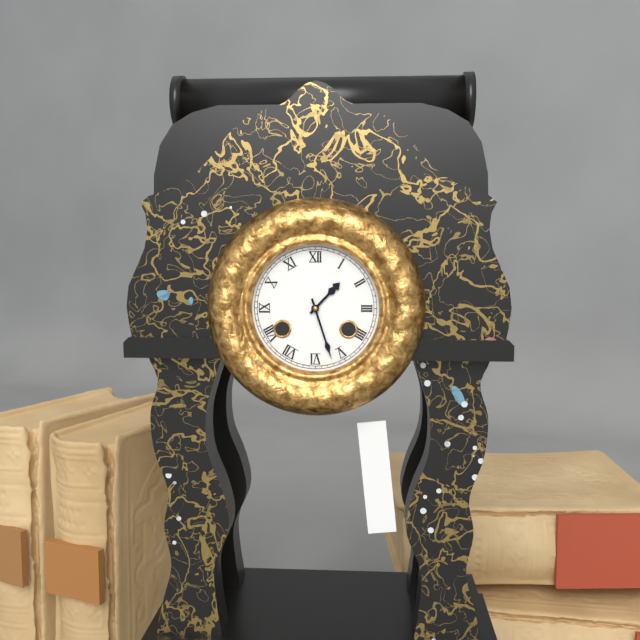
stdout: 1 h 27 min
